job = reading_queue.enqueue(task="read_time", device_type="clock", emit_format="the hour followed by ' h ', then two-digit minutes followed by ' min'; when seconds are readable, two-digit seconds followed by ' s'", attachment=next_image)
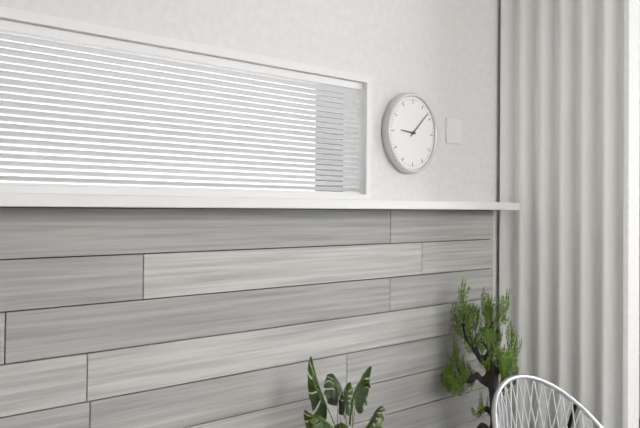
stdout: 9 h 08 min
